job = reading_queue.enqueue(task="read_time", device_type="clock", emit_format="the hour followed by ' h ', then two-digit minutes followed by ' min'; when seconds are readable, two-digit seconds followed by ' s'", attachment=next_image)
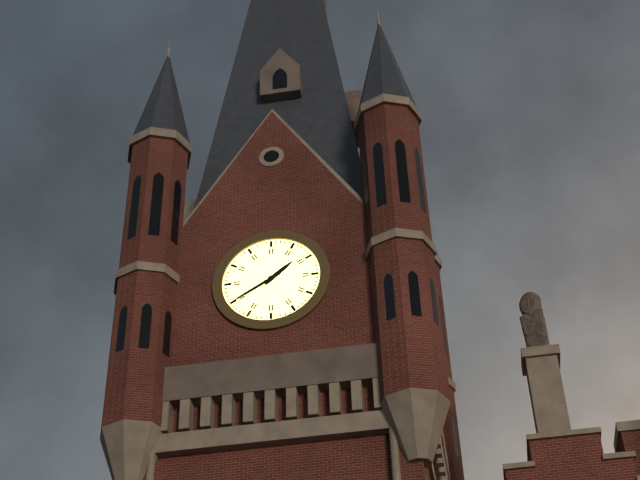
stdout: 1 h 40 min
